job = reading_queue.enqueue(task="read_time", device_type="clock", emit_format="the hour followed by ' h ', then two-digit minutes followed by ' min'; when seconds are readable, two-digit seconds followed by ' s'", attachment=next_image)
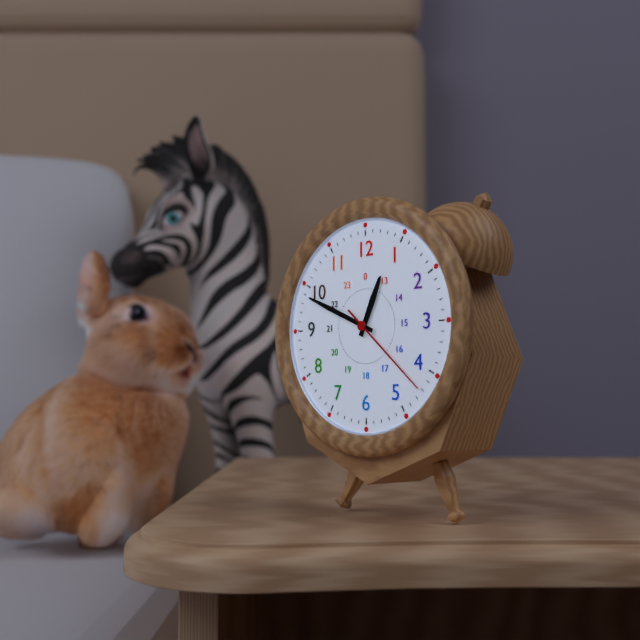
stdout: 12 h 49 min 22 s
